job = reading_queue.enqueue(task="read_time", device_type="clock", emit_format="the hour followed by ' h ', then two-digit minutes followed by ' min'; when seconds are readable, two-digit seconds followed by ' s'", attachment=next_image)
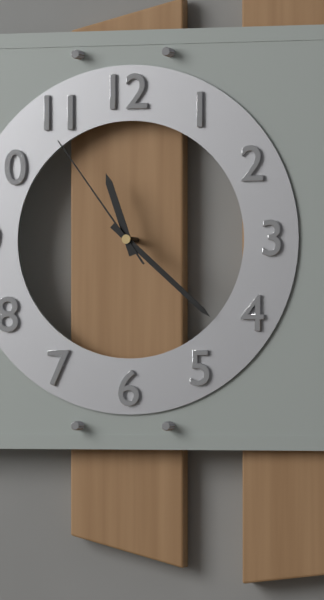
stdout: 11 h 22 min 54 s
